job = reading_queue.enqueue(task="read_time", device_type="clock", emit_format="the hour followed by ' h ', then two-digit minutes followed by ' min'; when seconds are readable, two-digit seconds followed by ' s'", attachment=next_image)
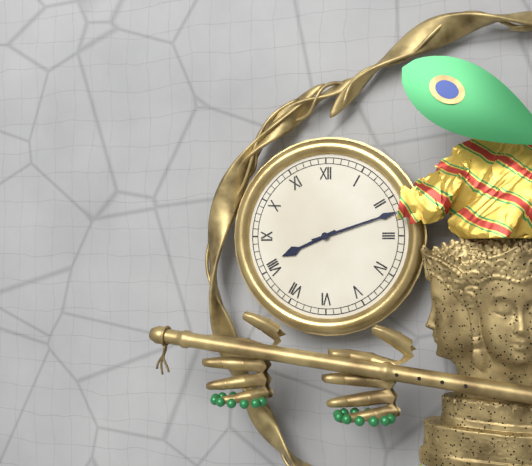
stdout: 8 h 12 min
